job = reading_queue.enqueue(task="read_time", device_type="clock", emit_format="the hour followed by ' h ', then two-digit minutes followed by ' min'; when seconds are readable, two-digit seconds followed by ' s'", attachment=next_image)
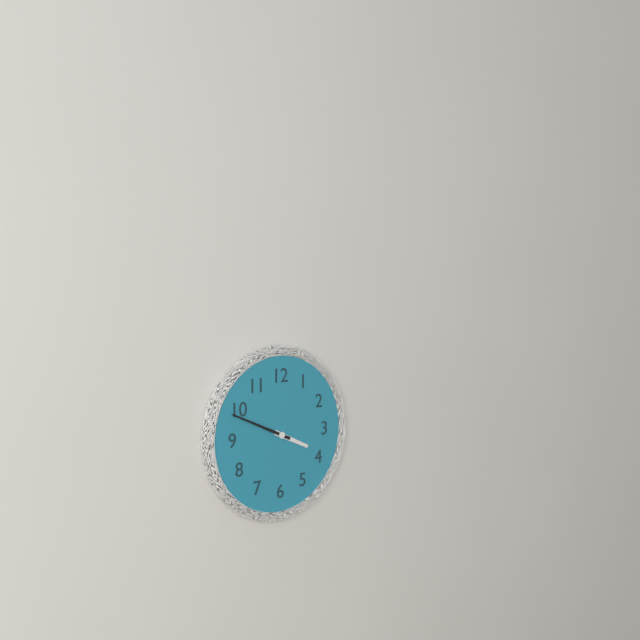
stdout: 3 h 49 min
